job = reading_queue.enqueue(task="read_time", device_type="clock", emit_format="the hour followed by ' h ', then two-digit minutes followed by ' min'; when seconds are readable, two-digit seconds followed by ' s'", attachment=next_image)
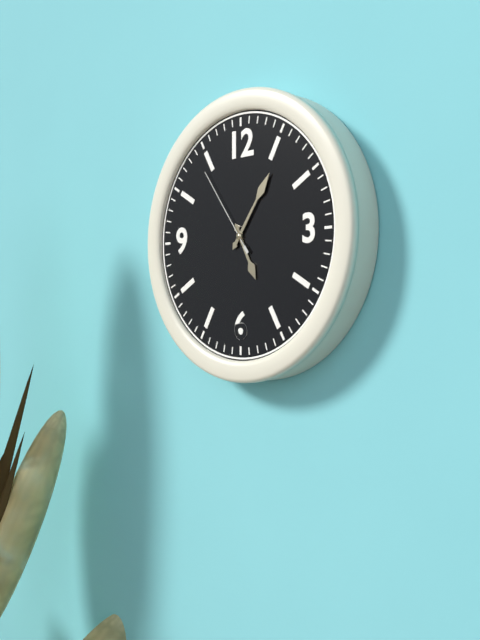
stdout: 5 h 06 min 54 s
